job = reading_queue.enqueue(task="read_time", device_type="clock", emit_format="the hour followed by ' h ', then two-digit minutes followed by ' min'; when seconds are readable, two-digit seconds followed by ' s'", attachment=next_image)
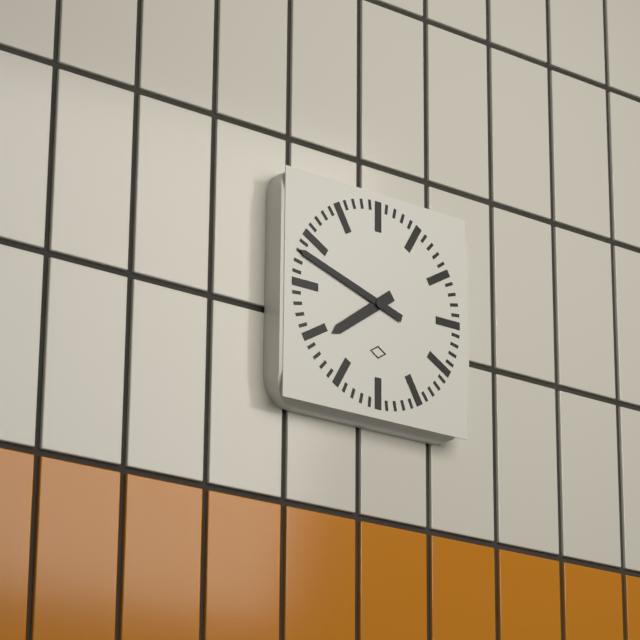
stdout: 7 h 48 min
